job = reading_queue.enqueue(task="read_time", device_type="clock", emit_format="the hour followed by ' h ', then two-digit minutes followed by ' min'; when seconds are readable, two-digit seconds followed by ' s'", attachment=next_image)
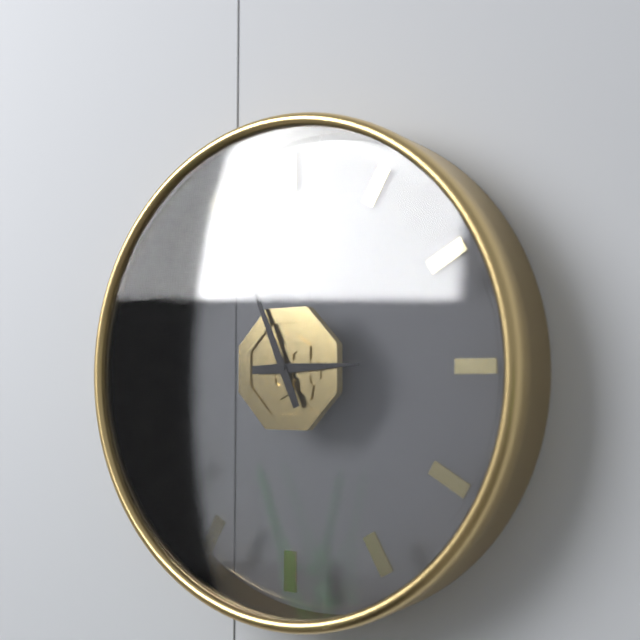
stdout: 2 h 56 min
